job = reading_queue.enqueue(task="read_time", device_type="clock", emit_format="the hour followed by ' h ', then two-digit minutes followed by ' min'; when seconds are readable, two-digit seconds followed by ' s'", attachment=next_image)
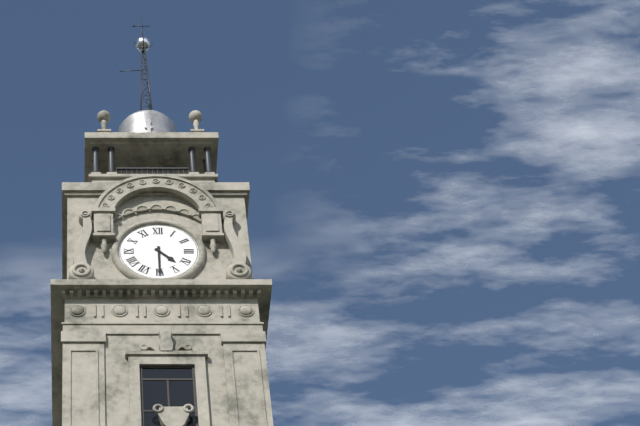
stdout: 4 h 30 min
